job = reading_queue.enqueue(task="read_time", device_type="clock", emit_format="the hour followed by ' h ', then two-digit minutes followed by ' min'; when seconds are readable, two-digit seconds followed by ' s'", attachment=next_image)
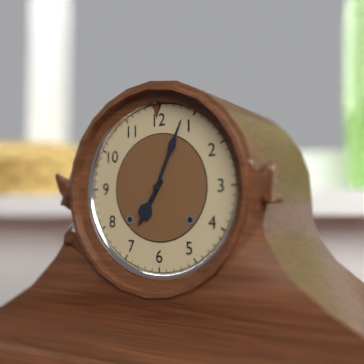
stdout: 7 h 04 min
